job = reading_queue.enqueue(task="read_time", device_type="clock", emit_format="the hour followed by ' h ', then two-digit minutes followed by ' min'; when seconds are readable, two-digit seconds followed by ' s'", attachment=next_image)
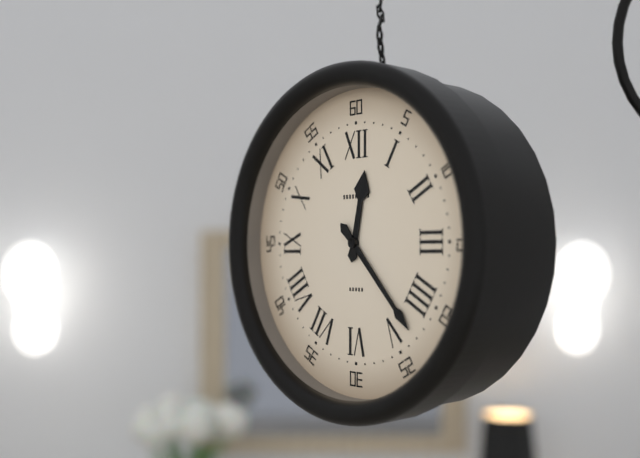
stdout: 12 h 23 min
